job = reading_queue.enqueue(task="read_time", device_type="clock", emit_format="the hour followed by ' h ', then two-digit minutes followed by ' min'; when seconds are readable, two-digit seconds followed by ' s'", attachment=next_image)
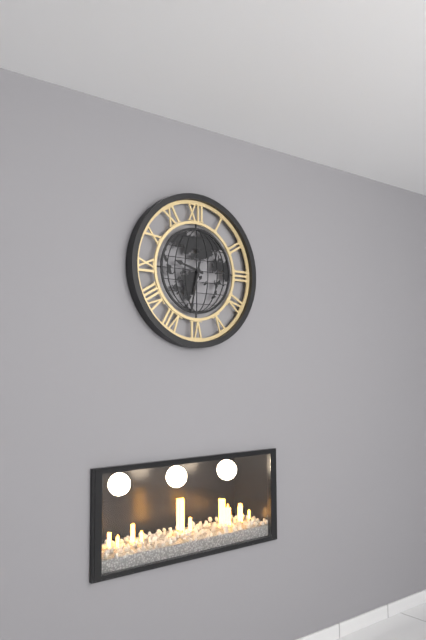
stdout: 9 h 32 min
